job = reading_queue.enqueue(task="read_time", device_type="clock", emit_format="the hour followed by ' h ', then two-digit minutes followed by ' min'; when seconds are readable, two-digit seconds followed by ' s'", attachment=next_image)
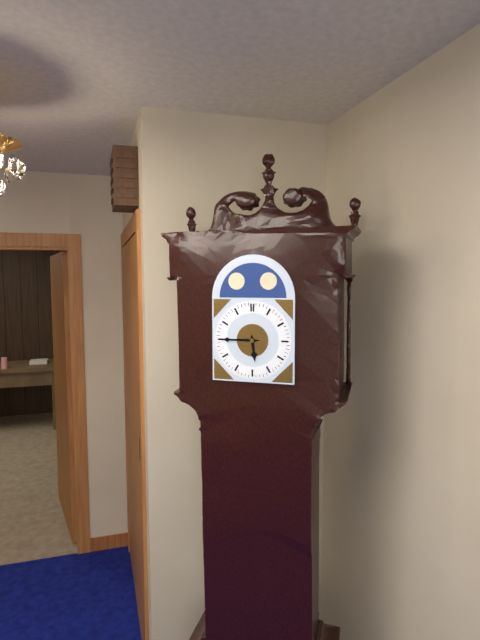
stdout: 5 h 45 min
